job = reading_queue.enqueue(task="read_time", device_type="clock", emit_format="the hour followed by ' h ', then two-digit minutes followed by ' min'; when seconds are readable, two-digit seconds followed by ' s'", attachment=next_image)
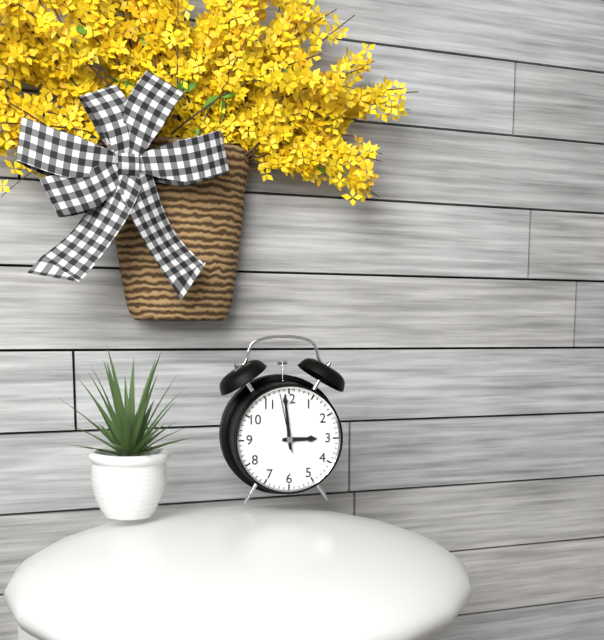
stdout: 2 h 59 min 58 s
